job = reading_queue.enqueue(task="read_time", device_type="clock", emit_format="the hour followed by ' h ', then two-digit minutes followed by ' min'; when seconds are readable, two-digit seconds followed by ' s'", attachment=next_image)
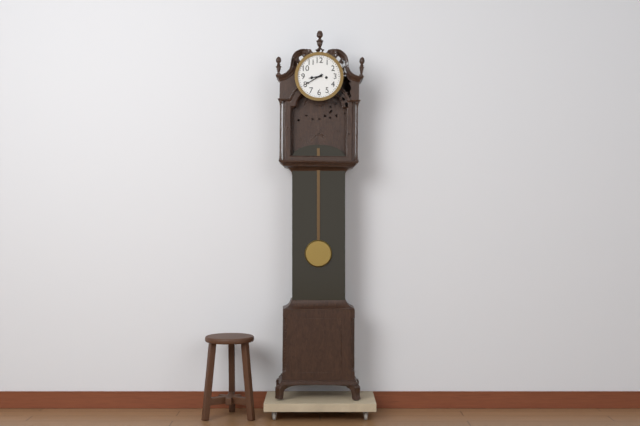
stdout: 8 h 40 min
